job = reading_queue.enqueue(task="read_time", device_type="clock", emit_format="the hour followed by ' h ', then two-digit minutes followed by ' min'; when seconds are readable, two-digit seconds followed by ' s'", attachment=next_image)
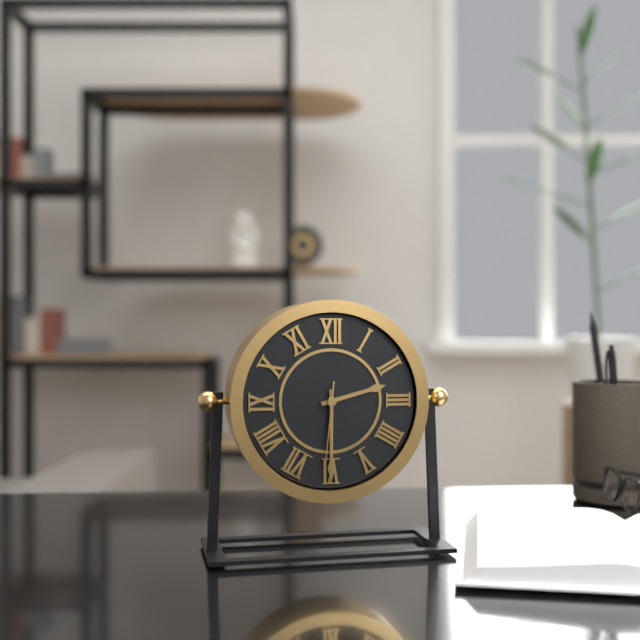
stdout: 2 h 30 min 31 s
